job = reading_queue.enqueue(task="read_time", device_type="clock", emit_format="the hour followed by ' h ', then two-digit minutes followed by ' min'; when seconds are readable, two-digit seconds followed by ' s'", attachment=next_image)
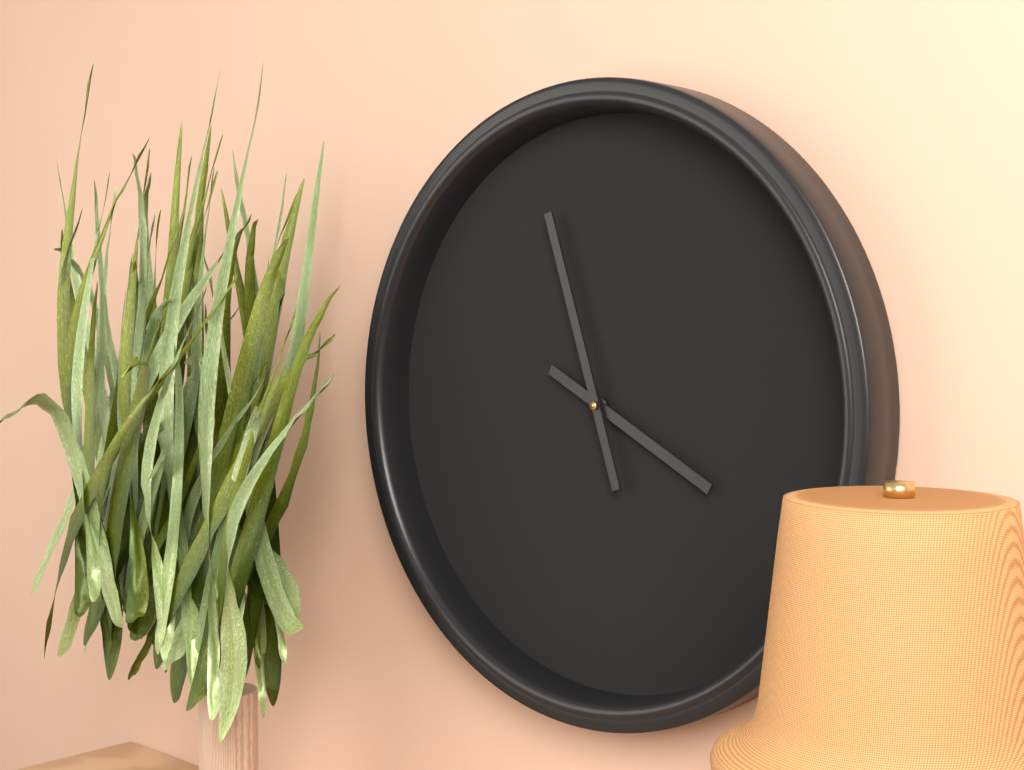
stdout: 3 h 57 min
